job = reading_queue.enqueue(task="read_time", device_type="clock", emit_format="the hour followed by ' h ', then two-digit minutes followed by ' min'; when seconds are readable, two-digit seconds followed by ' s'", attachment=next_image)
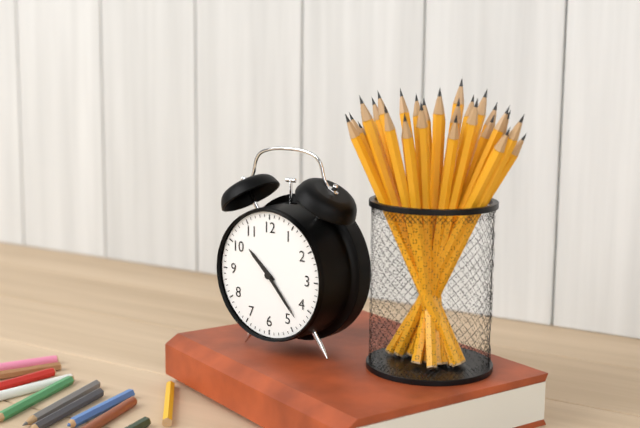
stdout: 10 h 23 min
